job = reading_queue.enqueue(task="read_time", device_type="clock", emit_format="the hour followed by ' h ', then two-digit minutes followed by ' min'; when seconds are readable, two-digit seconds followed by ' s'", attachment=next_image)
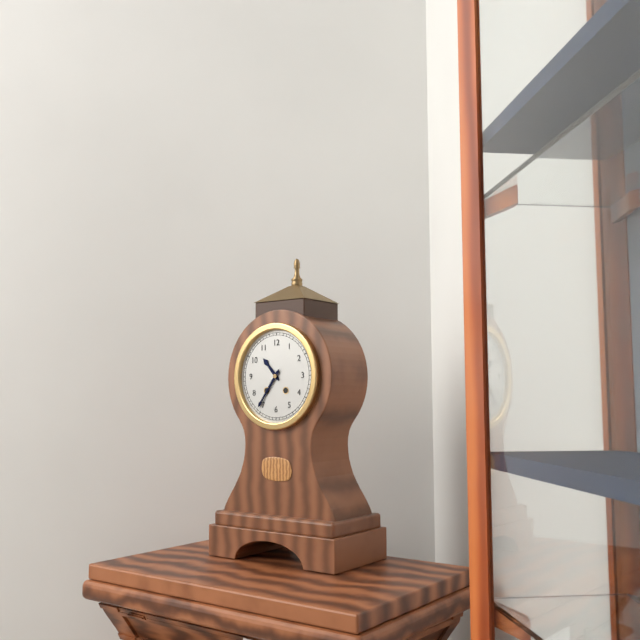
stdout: 10 h 36 min
